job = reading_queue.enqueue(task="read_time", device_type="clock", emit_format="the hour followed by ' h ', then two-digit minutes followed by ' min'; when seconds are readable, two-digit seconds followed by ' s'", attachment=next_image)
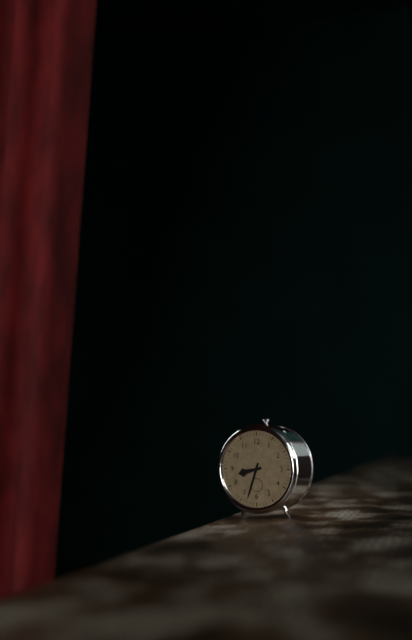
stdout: 8 h 33 min
